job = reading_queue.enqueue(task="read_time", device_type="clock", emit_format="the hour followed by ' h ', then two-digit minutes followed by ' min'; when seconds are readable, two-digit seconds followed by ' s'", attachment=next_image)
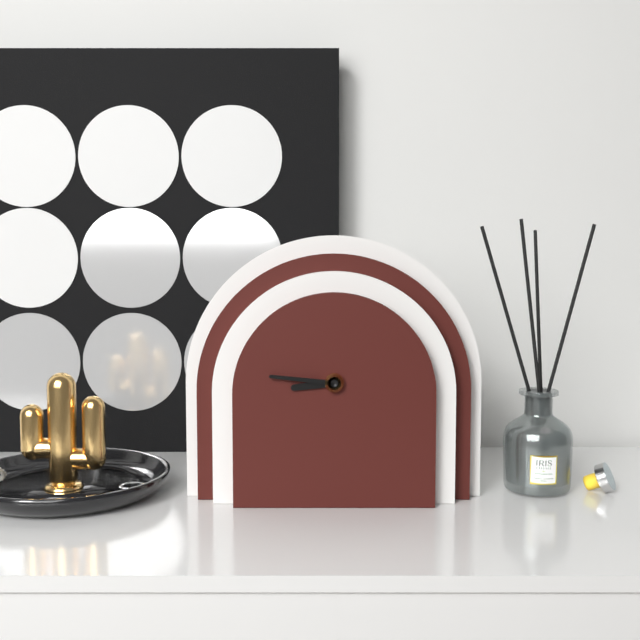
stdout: 8 h 46 min
